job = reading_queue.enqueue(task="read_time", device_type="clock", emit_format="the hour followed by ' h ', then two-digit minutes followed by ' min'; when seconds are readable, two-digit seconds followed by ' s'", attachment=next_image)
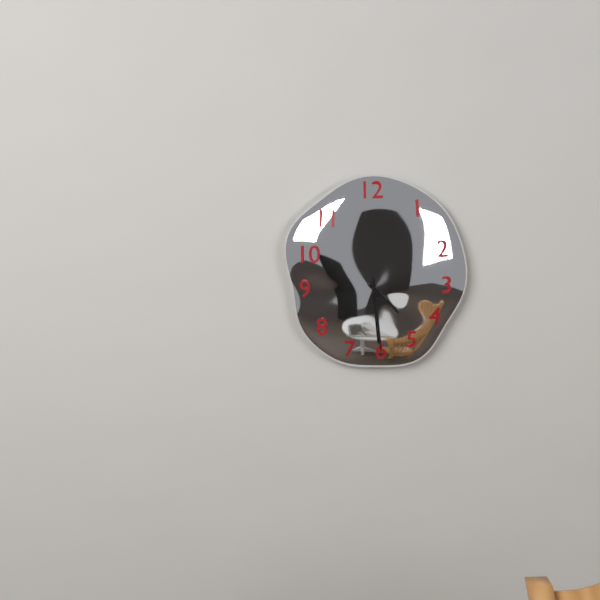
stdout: 4 h 29 min
